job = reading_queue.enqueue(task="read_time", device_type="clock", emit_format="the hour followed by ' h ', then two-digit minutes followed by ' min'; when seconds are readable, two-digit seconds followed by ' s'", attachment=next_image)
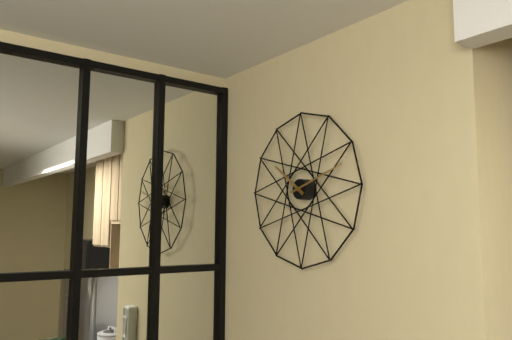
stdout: 10 h 12 min
